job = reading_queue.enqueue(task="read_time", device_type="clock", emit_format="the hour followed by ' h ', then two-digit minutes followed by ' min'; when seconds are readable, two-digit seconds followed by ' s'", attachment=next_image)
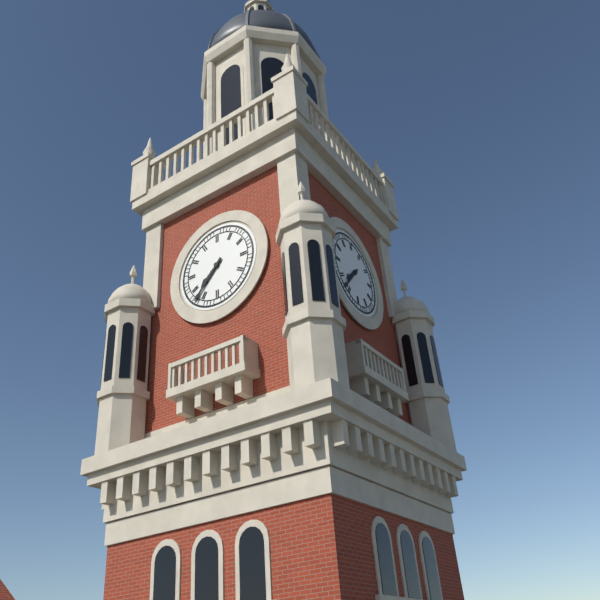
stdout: 7 h 37 min
